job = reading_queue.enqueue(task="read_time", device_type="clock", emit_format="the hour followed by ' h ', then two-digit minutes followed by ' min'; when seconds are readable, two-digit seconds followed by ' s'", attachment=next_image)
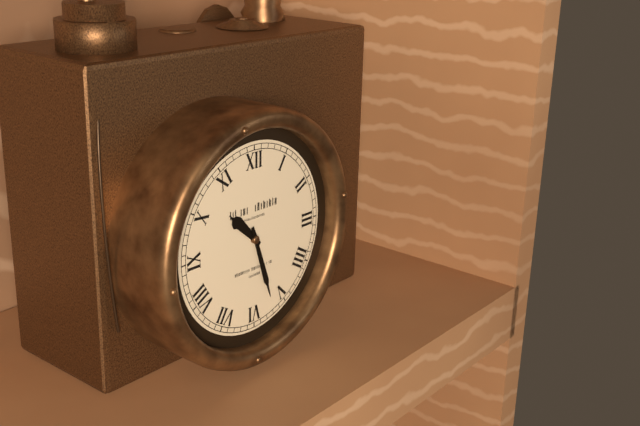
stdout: 10 h 27 min
